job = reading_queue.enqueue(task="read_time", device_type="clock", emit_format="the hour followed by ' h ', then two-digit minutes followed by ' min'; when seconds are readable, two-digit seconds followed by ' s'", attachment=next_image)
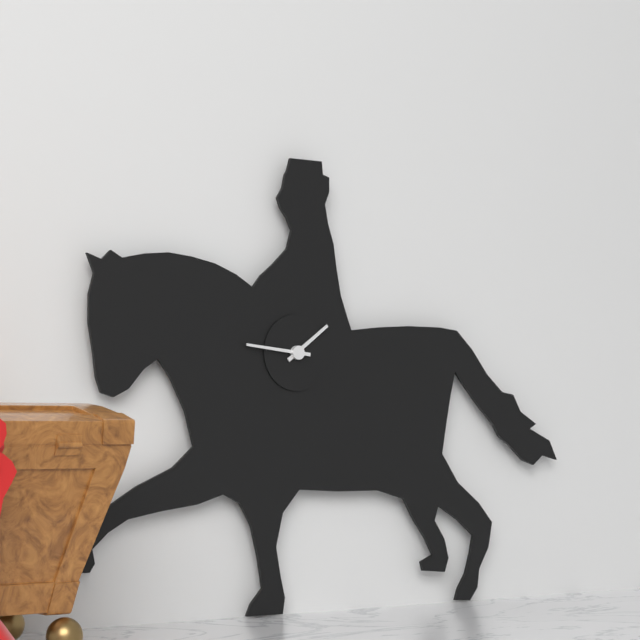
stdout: 1 h 46 min
